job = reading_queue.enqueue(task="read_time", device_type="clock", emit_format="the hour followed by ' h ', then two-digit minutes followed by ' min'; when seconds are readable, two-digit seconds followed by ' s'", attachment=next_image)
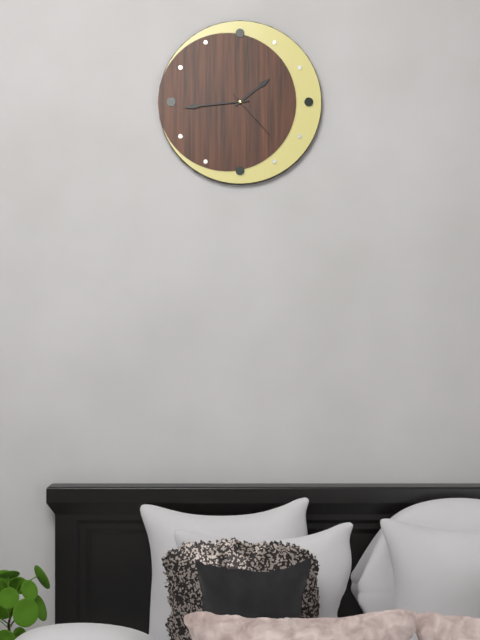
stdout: 1 h 44 min 23 s
